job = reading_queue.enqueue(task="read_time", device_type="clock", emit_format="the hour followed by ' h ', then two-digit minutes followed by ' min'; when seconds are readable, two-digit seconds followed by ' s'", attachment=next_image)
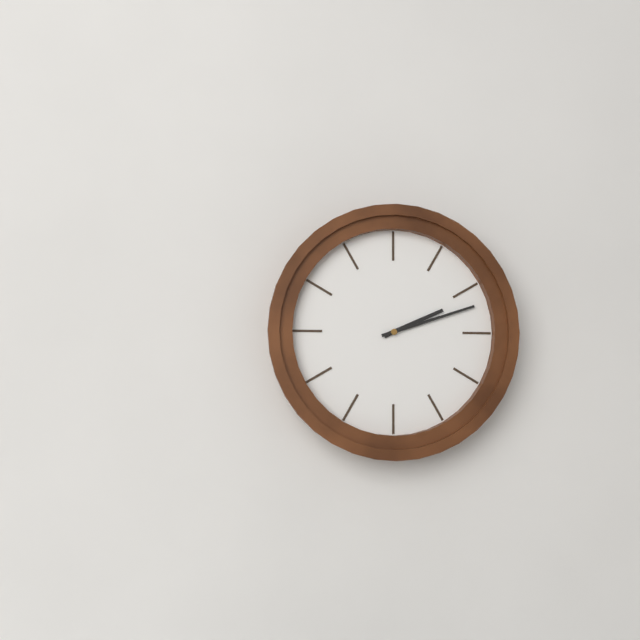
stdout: 2 h 12 min
